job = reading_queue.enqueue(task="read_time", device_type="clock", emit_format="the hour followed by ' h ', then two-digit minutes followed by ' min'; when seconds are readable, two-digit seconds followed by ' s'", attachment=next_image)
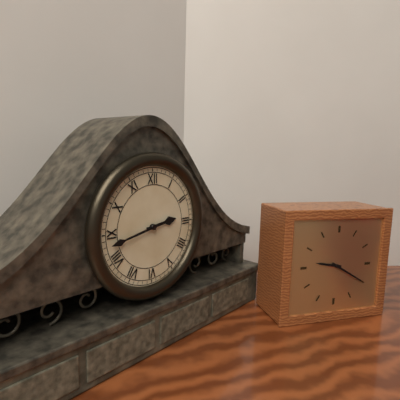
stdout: 2 h 43 min
